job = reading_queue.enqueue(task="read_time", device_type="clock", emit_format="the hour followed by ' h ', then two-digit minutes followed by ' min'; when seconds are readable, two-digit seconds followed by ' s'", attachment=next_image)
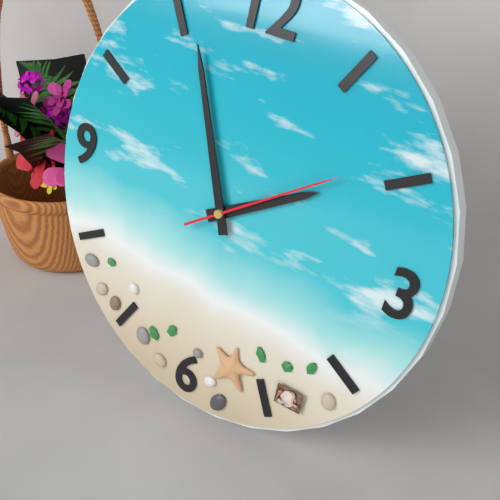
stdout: 1 h 56 min 09 s
